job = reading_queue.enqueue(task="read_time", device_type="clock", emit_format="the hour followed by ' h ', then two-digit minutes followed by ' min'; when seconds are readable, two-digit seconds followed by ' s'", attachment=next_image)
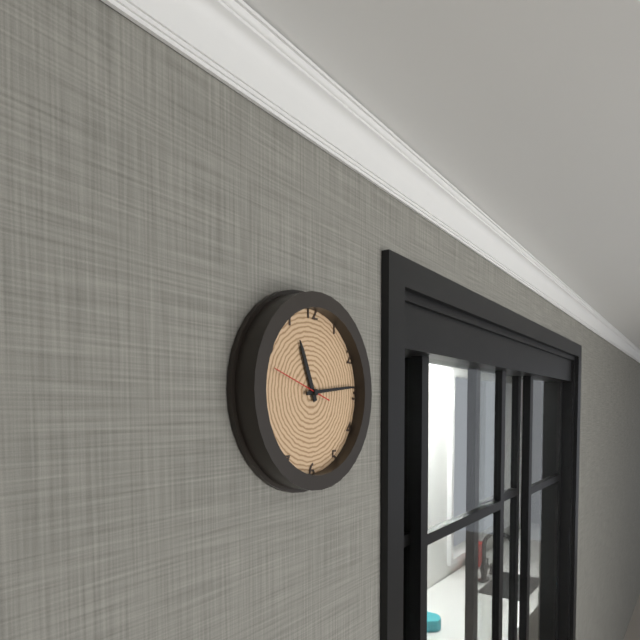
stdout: 11 h 14 min
